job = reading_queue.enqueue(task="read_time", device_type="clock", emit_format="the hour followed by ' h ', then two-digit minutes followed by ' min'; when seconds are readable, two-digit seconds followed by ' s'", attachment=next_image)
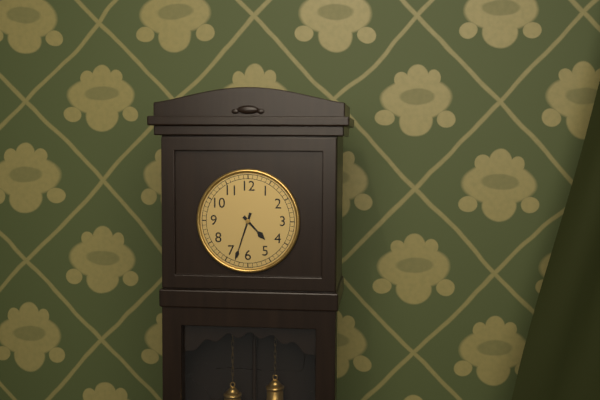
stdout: 4 h 33 min
